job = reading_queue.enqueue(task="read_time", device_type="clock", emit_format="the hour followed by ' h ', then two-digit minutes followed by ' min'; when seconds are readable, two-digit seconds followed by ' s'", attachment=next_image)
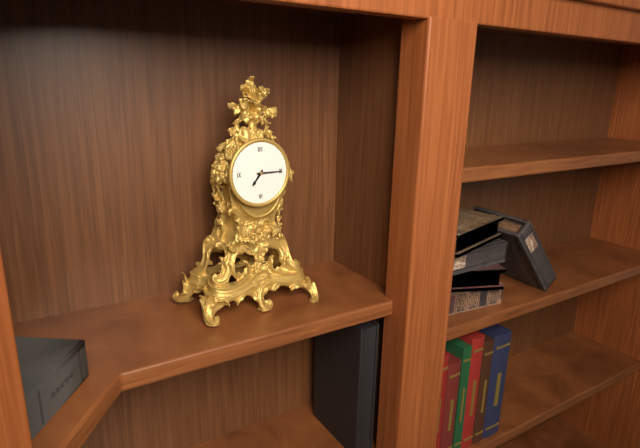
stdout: 7 h 15 min
